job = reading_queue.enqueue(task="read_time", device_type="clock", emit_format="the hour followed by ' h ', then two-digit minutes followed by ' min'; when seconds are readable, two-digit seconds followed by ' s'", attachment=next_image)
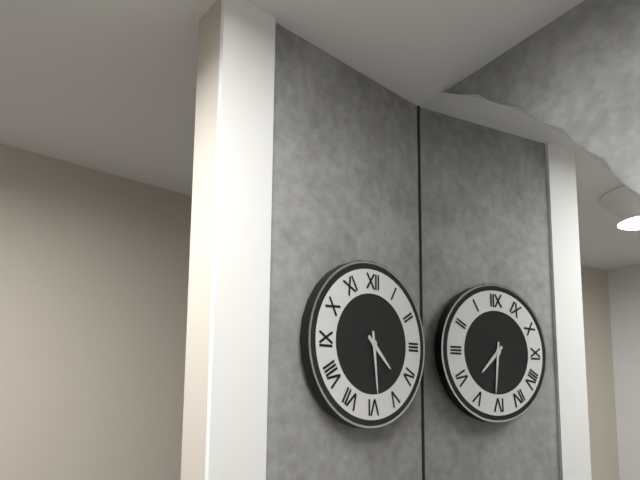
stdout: 4 h 29 min
